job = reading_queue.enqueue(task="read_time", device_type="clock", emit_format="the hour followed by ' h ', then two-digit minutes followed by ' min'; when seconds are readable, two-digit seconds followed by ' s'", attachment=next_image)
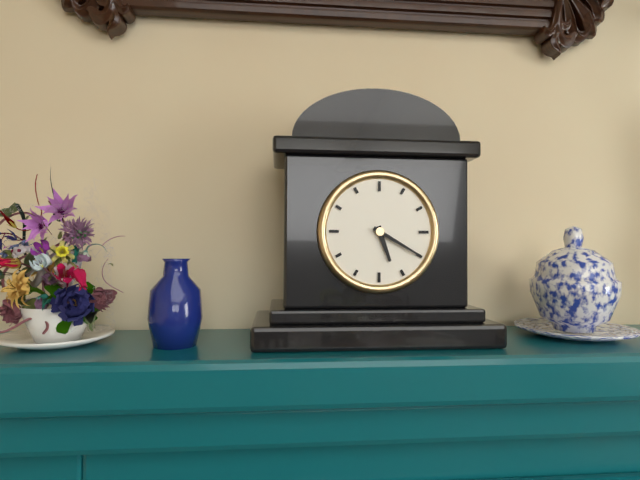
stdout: 5 h 20 min
